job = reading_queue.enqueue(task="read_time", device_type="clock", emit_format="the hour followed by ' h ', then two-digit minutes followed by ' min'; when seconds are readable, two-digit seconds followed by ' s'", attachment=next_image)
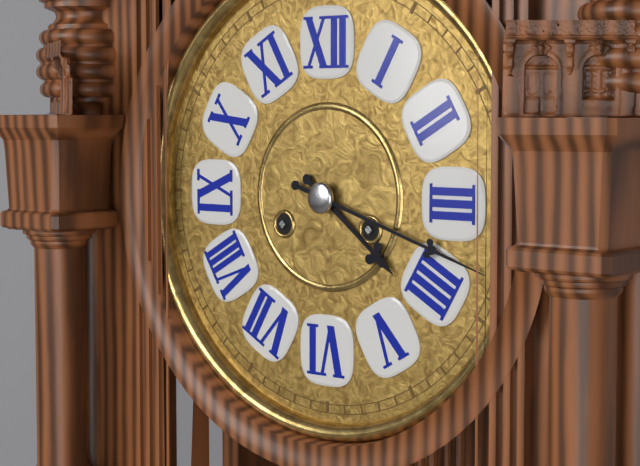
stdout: 4 h 18 min
